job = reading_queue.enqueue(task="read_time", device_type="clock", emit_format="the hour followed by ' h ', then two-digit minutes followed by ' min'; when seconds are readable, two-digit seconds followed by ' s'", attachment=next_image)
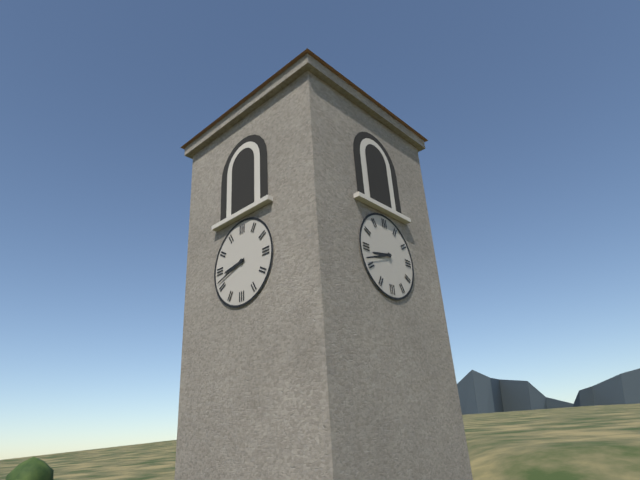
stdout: 8 h 42 min
